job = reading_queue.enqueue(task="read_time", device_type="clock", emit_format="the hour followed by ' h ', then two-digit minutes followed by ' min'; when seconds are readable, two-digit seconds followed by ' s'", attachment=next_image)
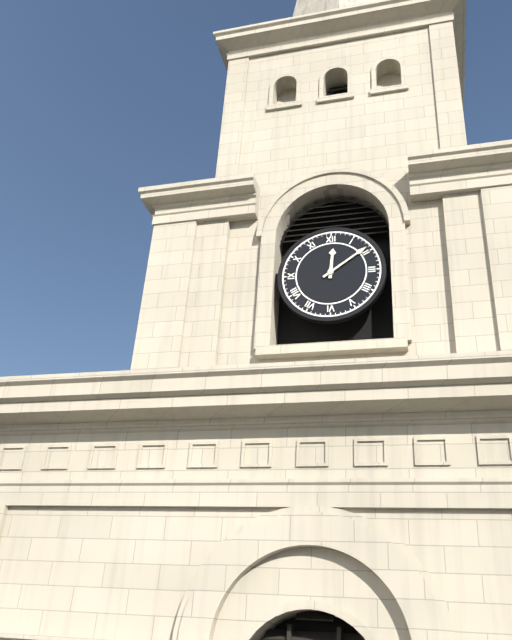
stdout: 12 h 09 min
